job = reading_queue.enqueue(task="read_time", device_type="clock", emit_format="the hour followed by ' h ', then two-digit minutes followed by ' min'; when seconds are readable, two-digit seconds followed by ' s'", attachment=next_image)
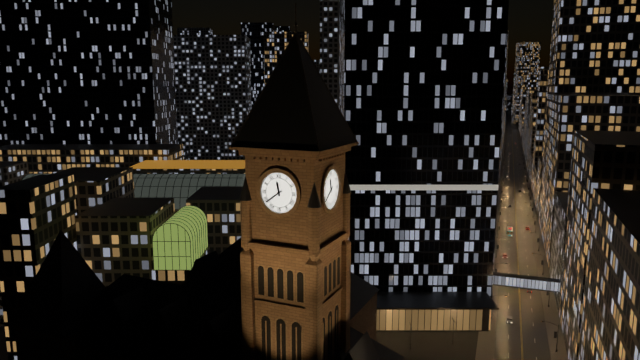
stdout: 11 h 39 min
